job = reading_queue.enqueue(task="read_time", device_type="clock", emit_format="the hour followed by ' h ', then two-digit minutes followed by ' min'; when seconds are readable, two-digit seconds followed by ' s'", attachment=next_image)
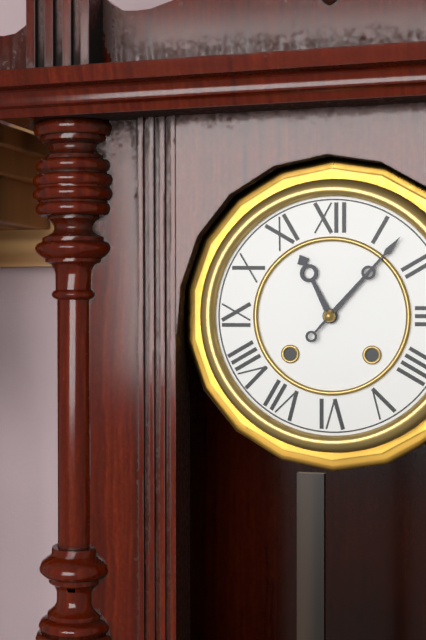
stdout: 11 h 07 min
